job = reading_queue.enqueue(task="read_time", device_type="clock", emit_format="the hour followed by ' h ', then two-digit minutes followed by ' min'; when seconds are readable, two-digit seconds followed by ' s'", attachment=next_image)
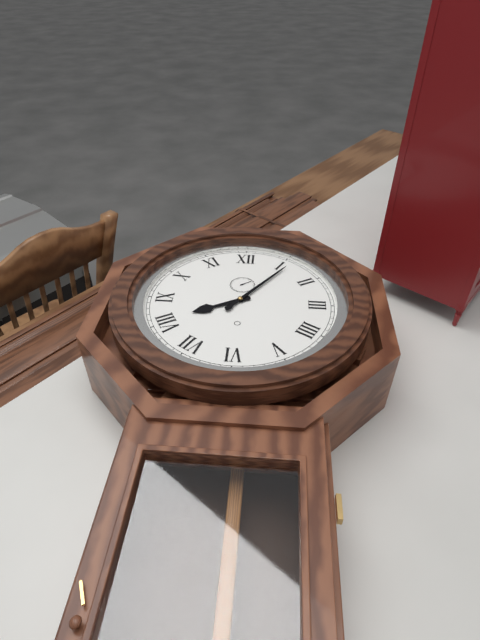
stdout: 8 h 06 min
